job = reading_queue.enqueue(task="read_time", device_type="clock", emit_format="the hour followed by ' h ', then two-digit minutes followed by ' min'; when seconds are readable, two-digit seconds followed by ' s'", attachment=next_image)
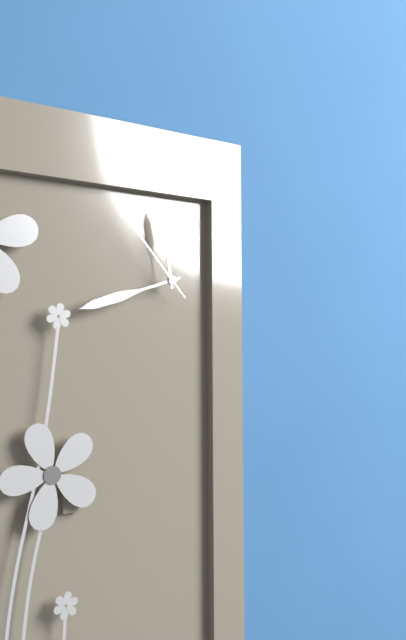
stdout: 11 h 42 min 53 s
